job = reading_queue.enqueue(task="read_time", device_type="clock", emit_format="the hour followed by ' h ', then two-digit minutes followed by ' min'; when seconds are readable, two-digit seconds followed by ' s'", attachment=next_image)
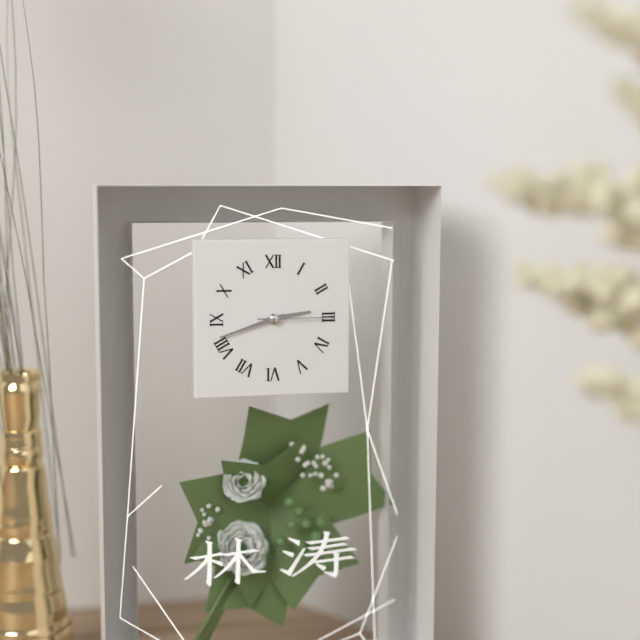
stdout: 2 h 42 min 15 s
